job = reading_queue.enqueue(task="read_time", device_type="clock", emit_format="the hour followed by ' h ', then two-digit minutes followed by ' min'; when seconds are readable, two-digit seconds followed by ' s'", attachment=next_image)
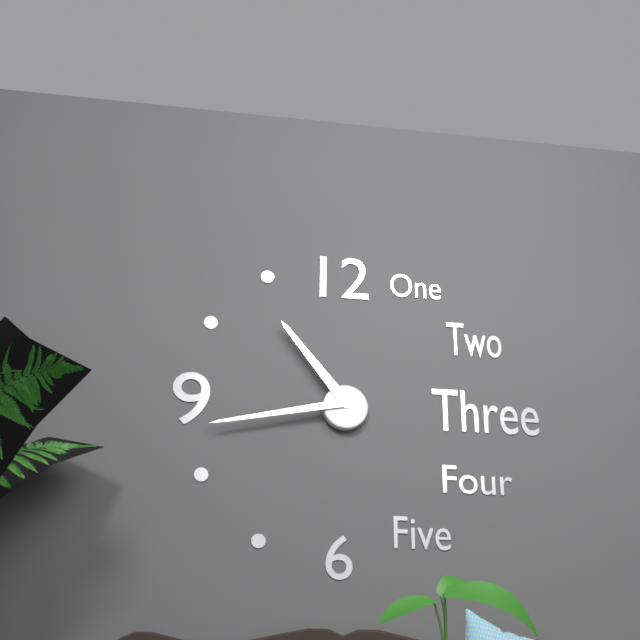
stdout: 10 h 43 min
